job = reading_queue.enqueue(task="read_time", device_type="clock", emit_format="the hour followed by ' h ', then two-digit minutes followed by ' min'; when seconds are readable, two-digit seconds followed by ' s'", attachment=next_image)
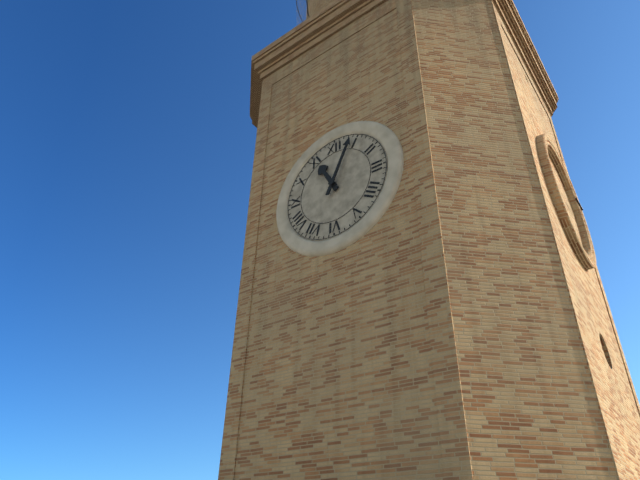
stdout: 11 h 04 min
